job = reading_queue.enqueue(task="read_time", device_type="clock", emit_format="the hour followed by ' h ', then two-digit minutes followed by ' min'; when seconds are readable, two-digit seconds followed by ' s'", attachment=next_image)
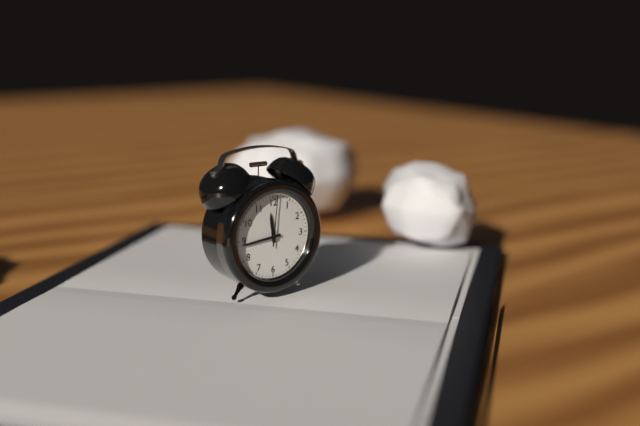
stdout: 11 h 44 min 01 s
